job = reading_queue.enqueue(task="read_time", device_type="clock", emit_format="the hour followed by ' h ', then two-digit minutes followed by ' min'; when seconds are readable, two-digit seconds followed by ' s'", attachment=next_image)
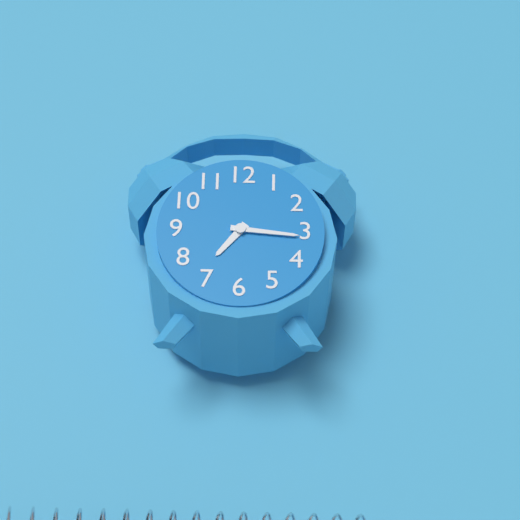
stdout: 7 h 16 min
